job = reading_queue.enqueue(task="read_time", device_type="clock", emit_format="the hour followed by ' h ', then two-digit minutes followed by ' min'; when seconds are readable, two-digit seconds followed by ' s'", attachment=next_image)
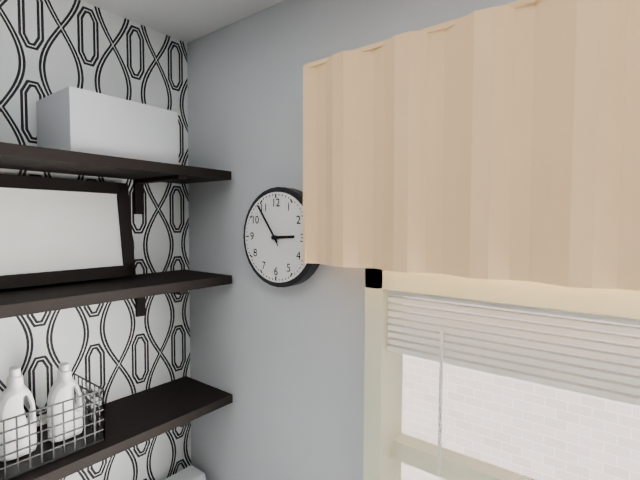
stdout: 2 h 54 min
